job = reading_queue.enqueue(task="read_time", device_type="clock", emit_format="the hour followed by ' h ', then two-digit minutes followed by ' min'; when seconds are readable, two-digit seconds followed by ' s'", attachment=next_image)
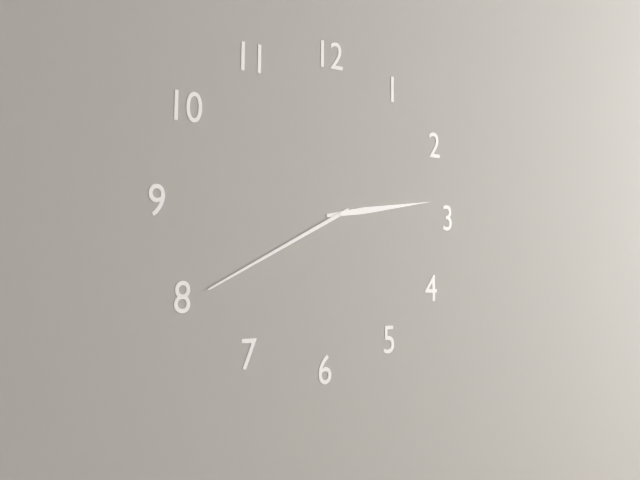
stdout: 2 h 40 min
